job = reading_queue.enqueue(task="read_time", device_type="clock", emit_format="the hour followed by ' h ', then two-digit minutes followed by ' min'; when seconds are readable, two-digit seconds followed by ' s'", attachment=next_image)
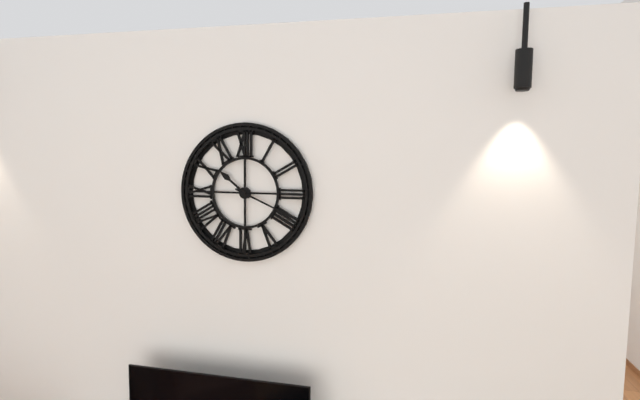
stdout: 10 h 19 min
